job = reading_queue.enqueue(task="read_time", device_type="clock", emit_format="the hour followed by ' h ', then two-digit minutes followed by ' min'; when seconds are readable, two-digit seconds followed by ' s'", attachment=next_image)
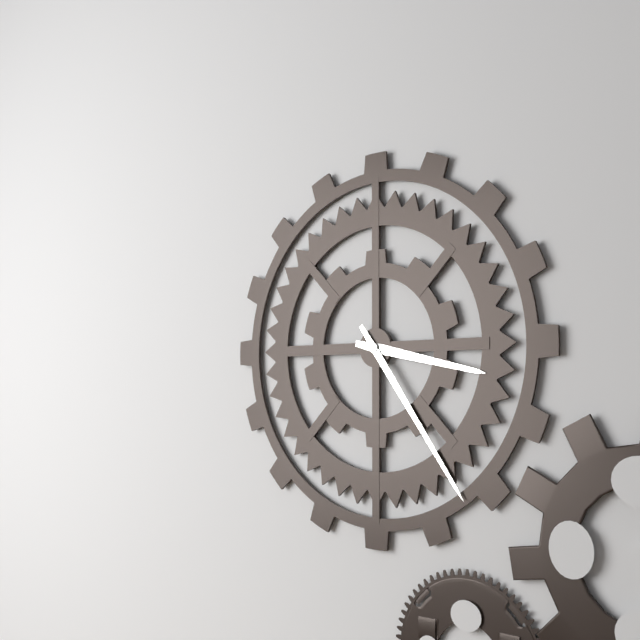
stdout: 3 h 24 min
